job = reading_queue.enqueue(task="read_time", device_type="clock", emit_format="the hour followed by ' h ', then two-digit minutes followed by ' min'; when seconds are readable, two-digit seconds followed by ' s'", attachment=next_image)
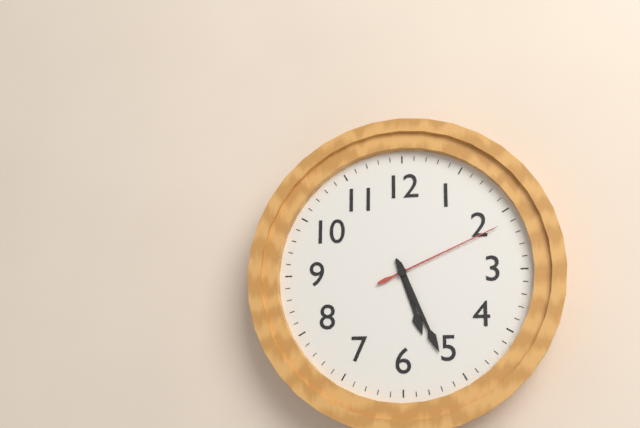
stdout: 5 h 26 min 11 s
